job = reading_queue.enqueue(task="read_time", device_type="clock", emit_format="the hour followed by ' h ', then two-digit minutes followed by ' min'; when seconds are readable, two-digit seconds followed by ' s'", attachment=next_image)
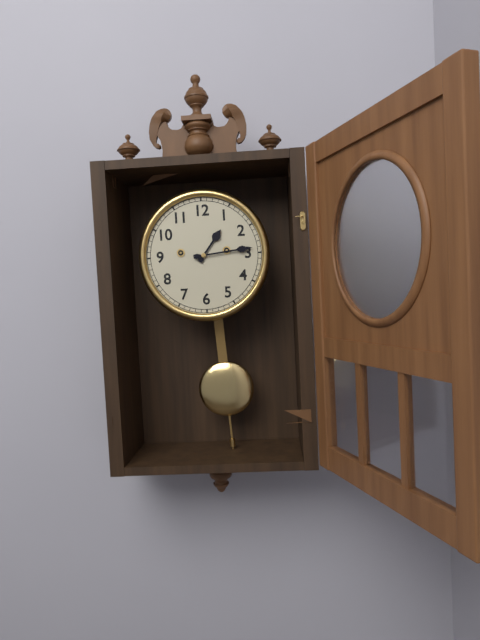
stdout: 1 h 14 min
